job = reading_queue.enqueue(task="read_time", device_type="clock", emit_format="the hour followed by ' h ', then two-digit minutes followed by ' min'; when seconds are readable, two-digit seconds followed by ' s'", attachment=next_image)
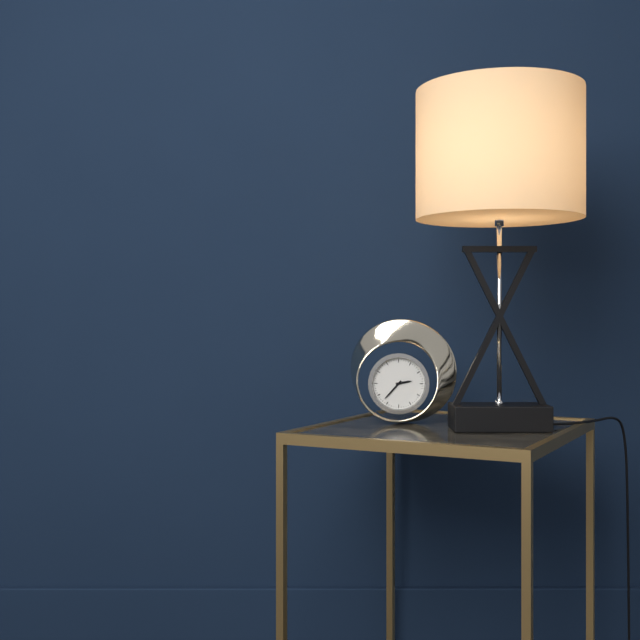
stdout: 2 h 37 min
